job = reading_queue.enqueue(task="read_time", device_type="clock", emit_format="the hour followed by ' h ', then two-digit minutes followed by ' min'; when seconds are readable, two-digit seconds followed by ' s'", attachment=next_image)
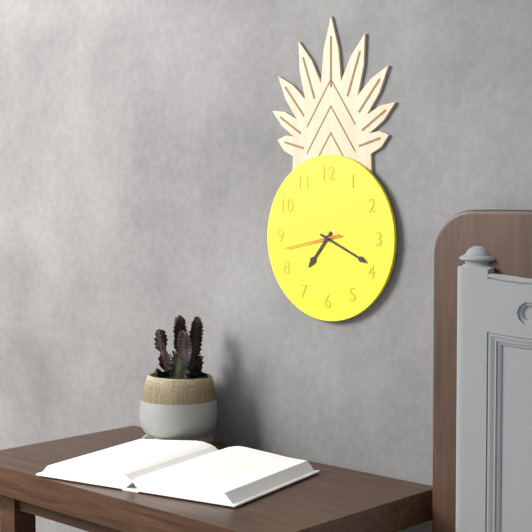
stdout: 7 h 19 min 43 s
